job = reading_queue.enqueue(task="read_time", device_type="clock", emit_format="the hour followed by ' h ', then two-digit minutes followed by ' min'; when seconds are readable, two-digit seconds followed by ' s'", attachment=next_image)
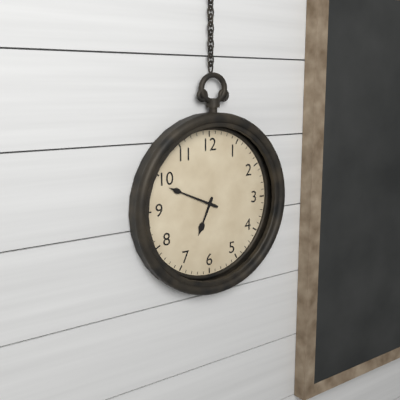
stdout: 6 h 49 min
